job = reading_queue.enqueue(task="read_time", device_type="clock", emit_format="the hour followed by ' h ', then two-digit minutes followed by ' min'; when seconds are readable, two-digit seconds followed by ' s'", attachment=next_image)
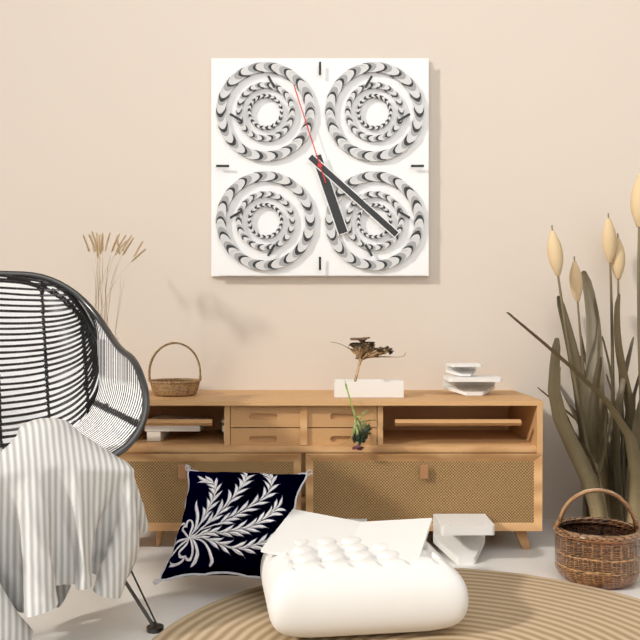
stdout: 5 h 22 min 57 s
